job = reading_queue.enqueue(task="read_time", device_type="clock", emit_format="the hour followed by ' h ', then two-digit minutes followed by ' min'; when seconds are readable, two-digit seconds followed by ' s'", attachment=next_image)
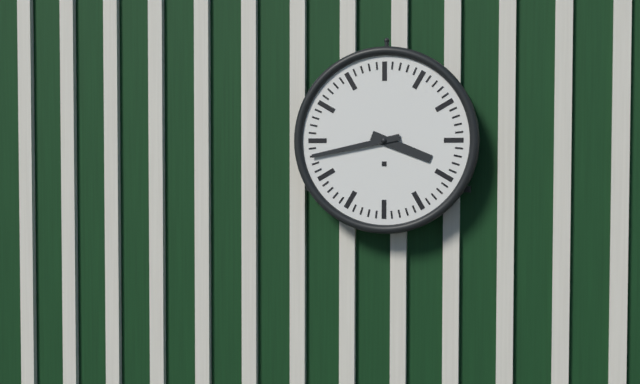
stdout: 3 h 43 min
